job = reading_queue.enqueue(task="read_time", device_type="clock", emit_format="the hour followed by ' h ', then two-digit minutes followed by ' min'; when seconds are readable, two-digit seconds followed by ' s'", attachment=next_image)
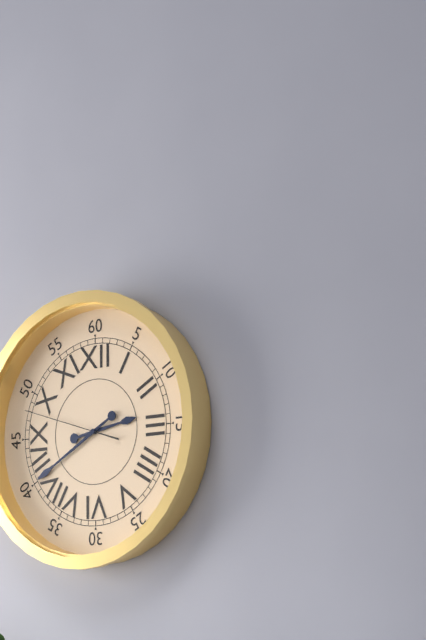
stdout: 2 h 40 min 48 s
